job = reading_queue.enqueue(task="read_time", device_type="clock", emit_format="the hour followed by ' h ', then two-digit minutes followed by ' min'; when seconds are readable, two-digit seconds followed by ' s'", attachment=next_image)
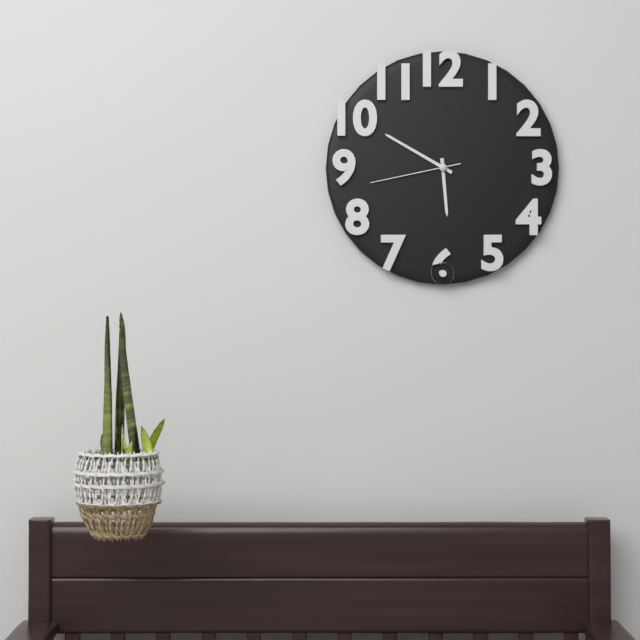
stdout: 5 h 50 min 43 s
